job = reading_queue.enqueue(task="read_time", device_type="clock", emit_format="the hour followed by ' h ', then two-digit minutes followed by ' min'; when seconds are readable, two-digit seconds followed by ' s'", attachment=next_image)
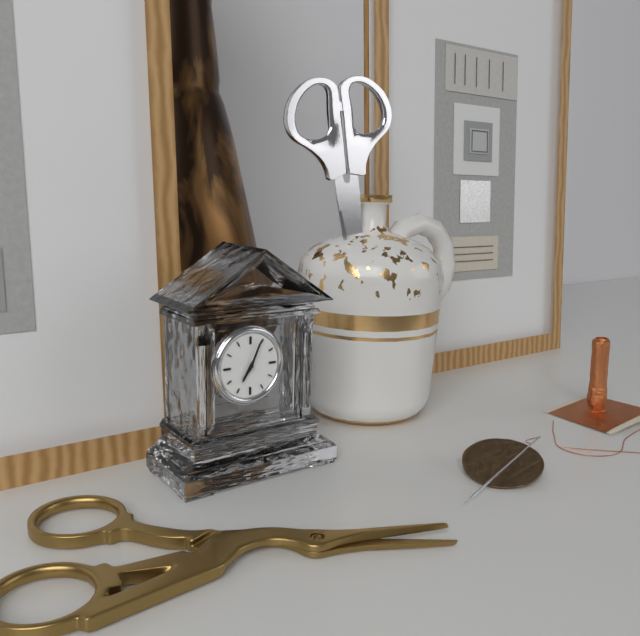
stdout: 7 h 04 min
